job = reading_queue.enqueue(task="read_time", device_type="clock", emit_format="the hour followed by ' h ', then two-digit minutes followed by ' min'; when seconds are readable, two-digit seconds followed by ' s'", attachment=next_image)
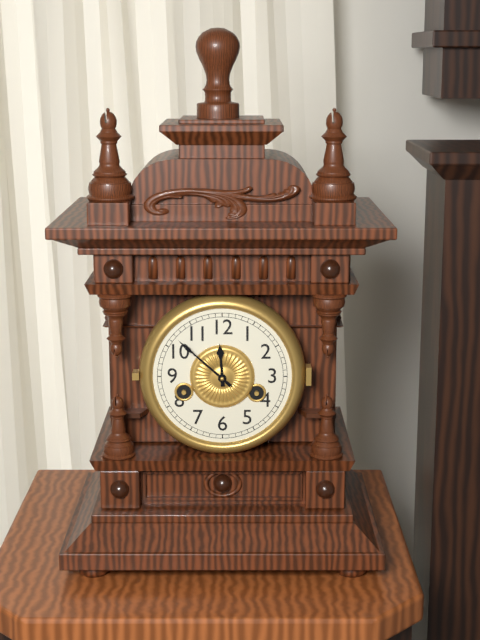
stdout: 11 h 52 min
